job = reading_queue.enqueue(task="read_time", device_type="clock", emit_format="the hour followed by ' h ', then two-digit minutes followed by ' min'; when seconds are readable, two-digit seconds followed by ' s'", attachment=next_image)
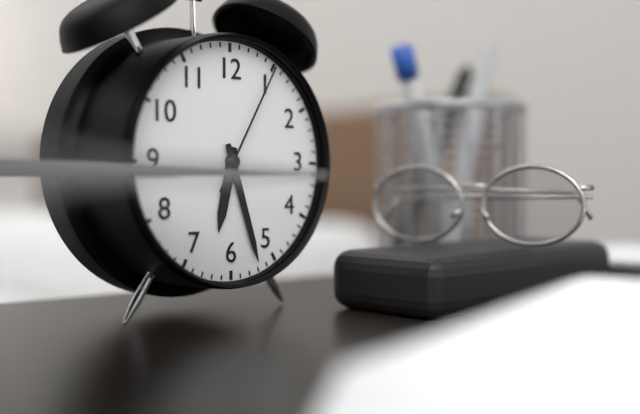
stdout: 6 h 27 min 05 s
